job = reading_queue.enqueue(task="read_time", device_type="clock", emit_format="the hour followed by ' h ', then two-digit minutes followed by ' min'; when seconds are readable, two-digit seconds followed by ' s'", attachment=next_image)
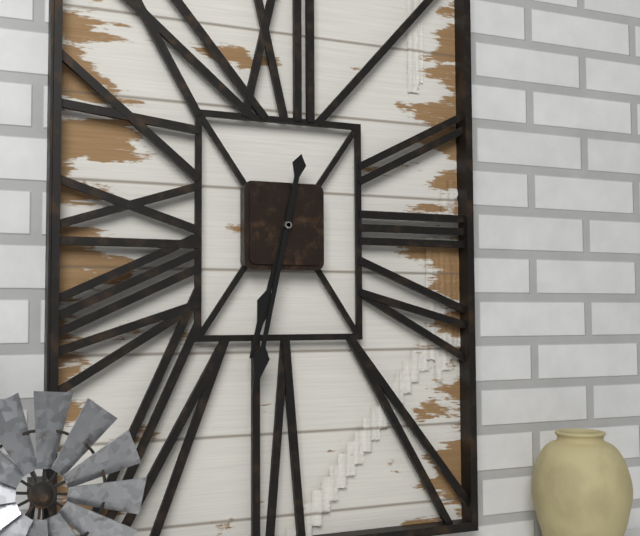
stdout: 6 h 32 min
